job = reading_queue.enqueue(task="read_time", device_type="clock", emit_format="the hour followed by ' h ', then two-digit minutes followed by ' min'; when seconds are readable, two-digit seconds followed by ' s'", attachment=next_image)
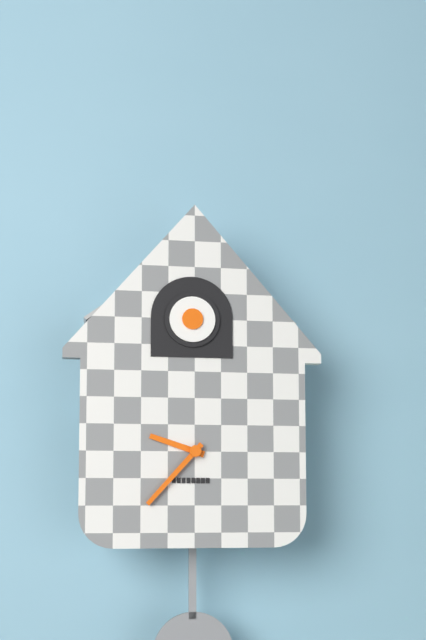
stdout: 9 h 37 min
